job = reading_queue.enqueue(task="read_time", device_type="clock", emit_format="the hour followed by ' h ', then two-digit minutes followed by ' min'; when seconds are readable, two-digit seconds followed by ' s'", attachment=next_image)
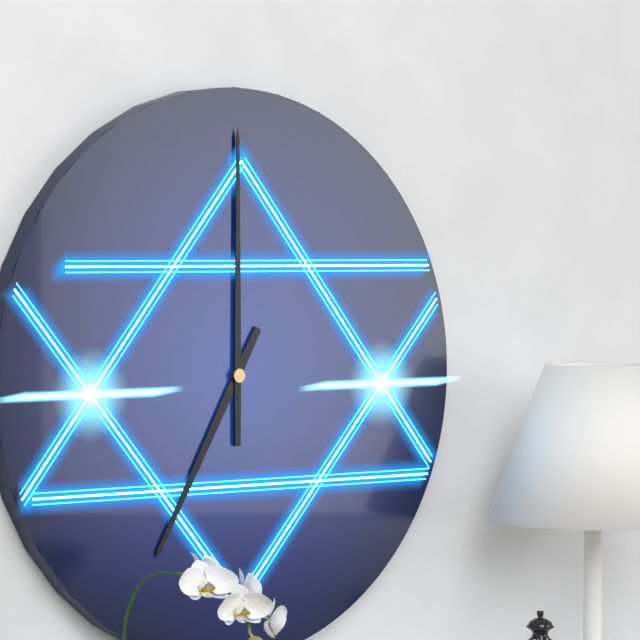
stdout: 7 h 00 min
